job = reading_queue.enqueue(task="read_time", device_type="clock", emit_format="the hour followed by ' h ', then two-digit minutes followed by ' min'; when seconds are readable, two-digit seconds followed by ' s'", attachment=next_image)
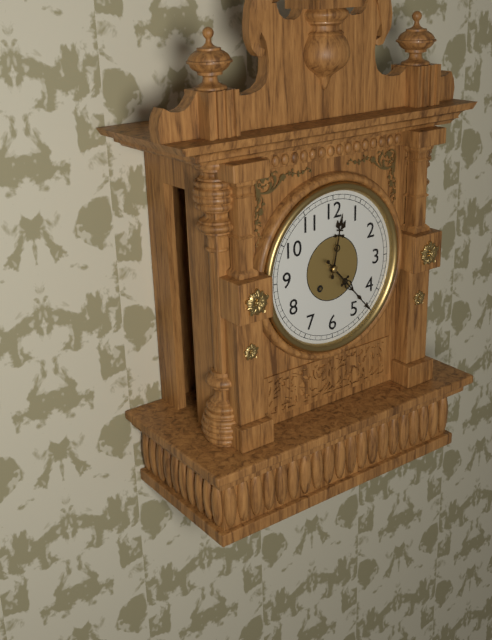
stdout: 12 h 23 min
